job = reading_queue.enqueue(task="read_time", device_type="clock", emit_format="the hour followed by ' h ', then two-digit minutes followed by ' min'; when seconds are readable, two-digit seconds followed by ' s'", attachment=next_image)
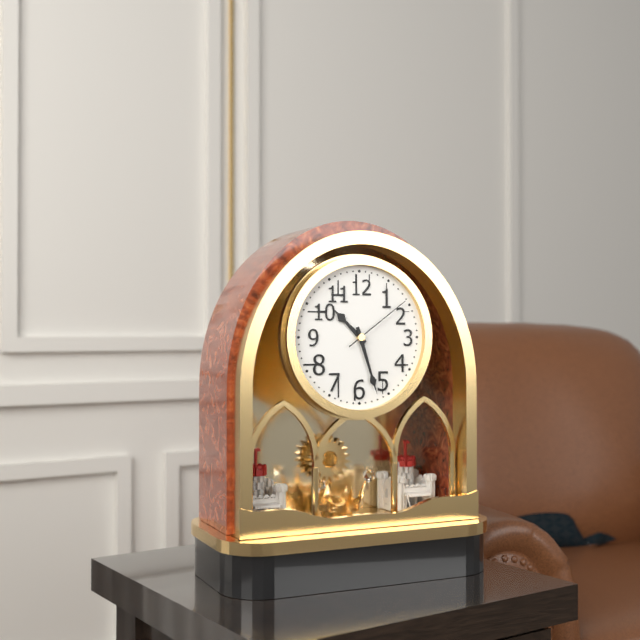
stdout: 10 h 27 min 09 s
